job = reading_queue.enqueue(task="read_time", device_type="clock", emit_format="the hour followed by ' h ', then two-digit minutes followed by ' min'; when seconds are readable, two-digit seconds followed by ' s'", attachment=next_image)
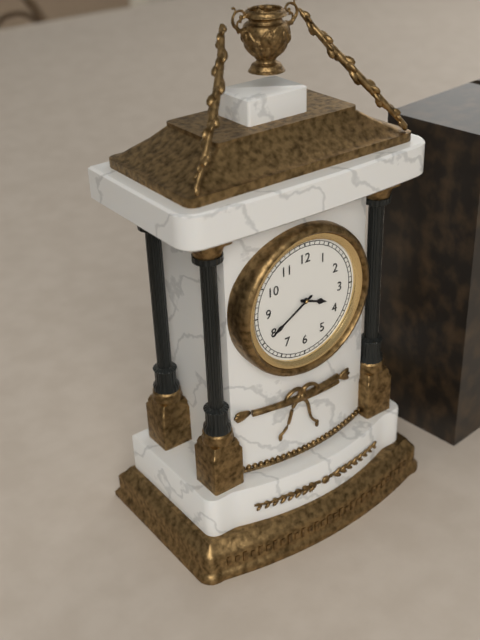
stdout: 3 h 40 min
